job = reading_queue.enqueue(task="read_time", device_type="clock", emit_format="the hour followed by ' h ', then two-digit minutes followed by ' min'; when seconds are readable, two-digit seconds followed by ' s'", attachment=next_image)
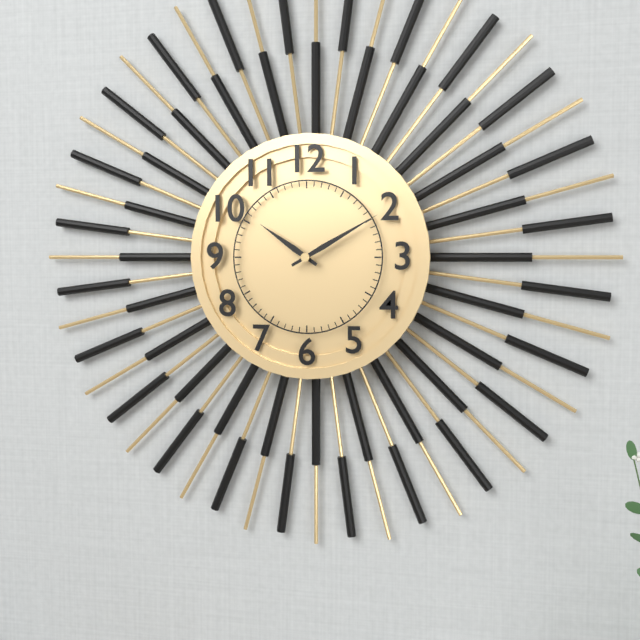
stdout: 10 h 10 min
